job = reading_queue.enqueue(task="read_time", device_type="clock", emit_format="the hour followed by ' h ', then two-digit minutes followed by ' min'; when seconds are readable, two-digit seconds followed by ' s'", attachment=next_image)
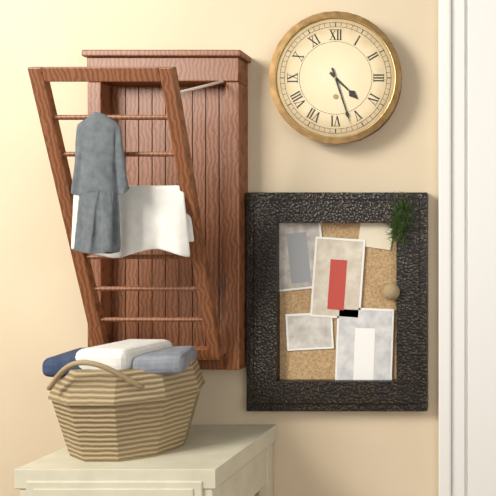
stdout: 4 h 27 min
